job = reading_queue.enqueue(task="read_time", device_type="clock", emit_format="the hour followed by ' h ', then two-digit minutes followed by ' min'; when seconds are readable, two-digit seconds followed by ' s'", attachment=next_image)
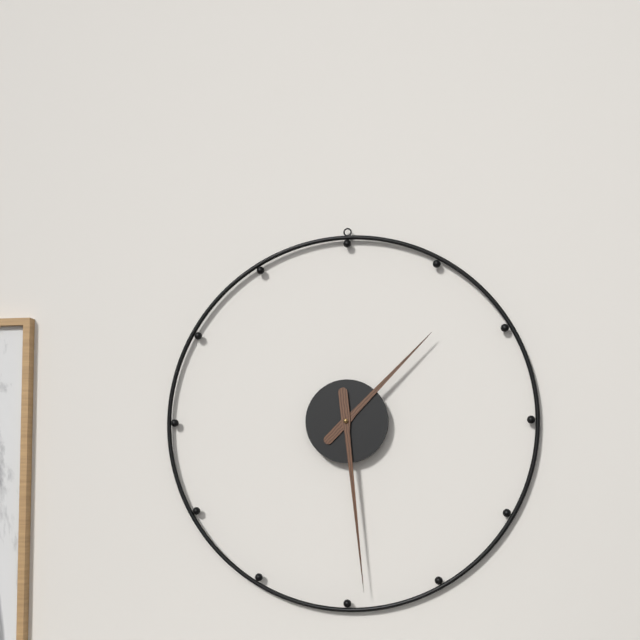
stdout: 1 h 29 min
